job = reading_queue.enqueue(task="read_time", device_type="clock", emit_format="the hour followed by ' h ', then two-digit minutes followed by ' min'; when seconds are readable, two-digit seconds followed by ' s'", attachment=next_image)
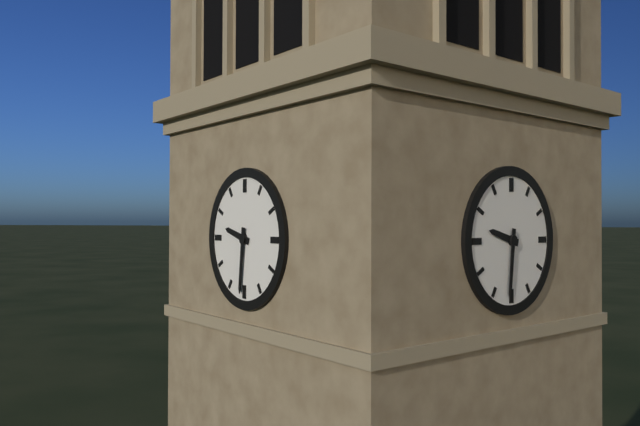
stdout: 9 h 31 min
